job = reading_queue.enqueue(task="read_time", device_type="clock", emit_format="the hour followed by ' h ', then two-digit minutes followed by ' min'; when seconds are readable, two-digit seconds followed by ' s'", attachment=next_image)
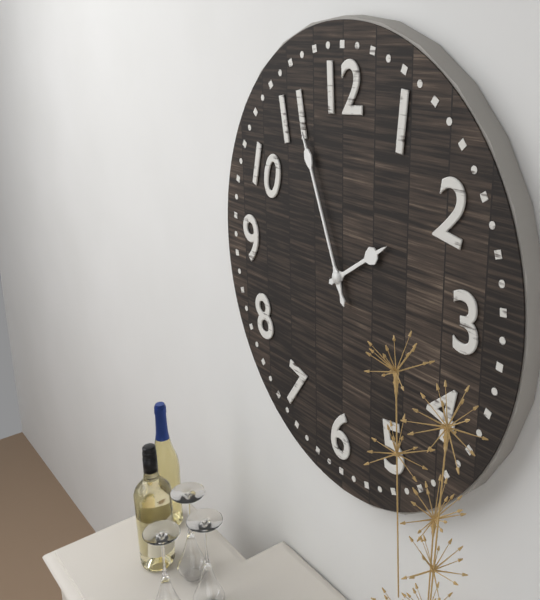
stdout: 1 h 56 min
